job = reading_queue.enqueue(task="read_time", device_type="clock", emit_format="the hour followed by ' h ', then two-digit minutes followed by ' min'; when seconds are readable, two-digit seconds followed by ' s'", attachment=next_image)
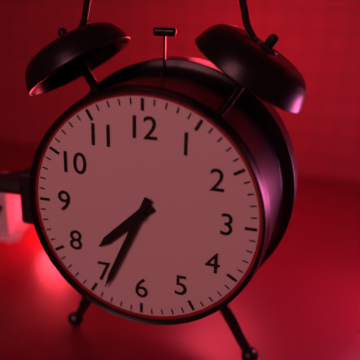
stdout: 7 h 34 min
